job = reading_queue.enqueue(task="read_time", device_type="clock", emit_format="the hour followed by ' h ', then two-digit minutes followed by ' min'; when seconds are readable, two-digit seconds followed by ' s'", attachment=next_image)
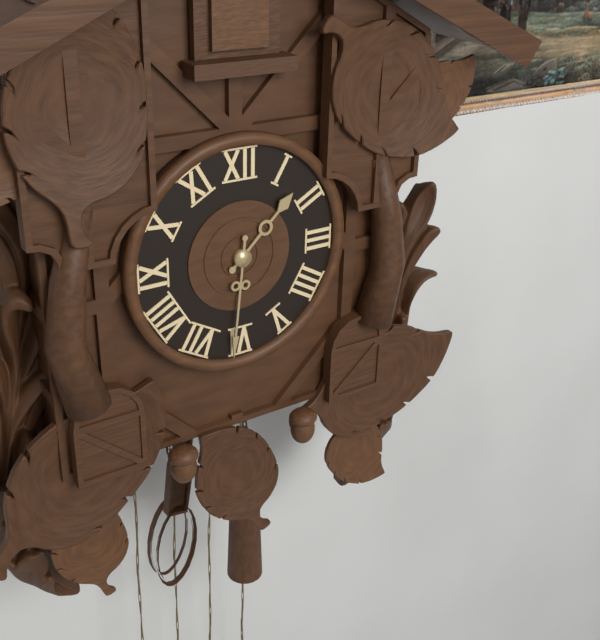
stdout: 1 h 31 min
